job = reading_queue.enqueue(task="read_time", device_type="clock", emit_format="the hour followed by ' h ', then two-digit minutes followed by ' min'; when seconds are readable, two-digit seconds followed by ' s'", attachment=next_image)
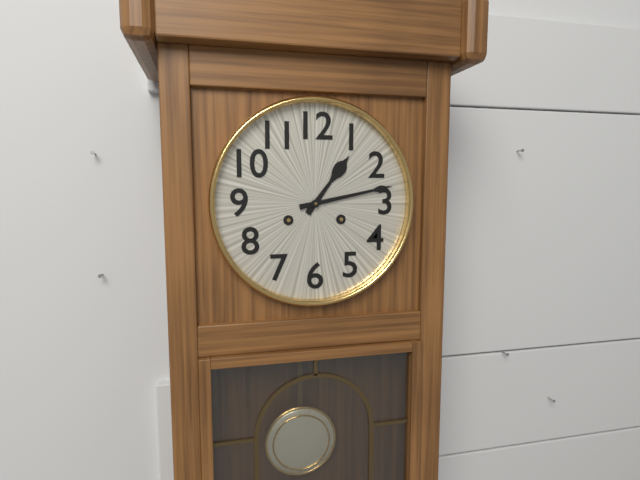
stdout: 1 h 13 min
